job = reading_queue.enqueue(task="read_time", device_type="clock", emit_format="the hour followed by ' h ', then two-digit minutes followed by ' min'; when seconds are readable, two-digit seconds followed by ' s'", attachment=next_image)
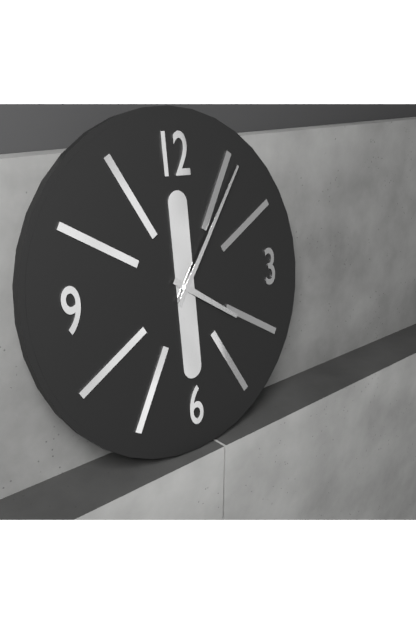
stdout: 4 h 06 min
